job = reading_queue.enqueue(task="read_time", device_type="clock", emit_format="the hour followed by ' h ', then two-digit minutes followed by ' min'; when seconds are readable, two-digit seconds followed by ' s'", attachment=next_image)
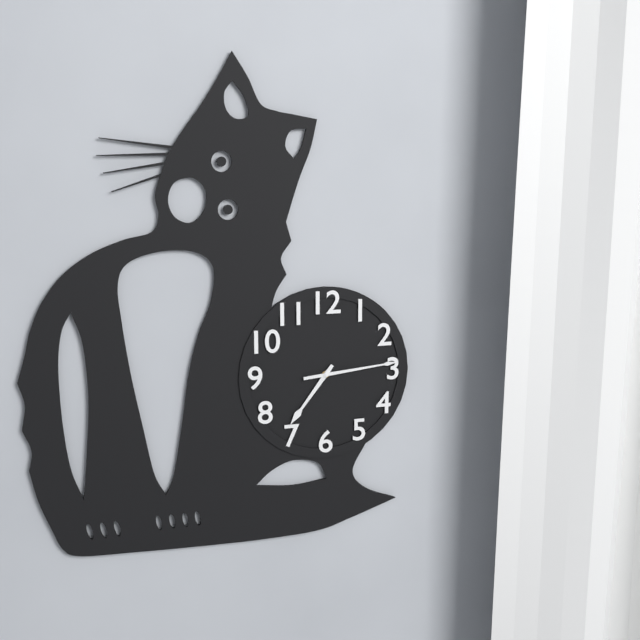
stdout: 7 h 14 min
